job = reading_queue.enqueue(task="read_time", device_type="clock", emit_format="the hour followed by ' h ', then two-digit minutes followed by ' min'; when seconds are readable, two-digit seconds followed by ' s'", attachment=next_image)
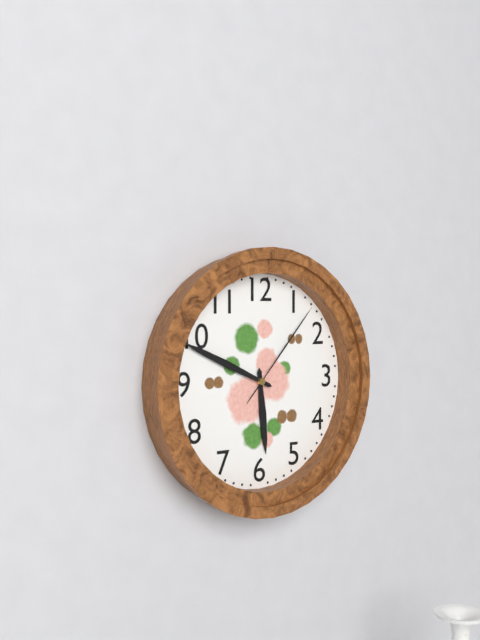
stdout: 5 h 49 min 07 s
